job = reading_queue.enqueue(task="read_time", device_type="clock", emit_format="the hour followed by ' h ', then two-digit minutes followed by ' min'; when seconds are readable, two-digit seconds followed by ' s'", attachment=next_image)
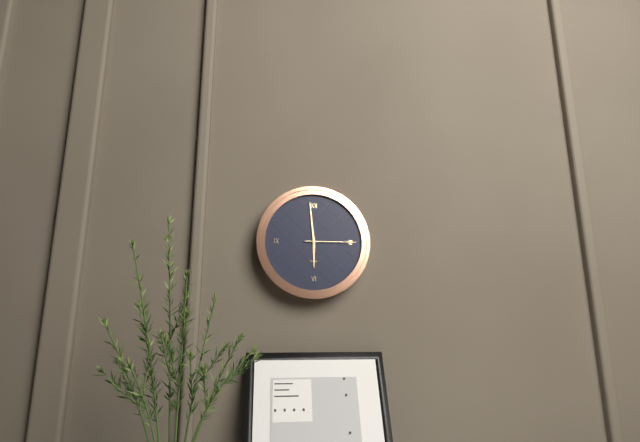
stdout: 5 h 59 min 15 s
